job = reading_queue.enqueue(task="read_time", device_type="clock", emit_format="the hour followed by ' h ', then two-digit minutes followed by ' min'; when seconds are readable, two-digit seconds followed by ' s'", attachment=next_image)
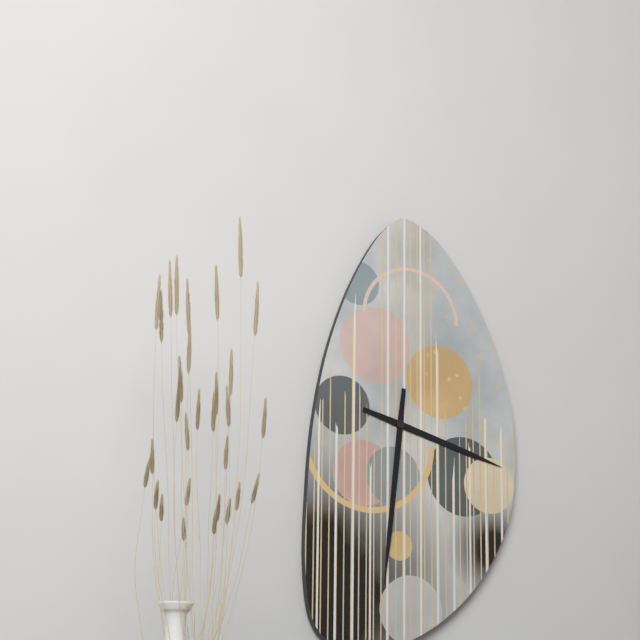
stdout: 3 h 31 min
